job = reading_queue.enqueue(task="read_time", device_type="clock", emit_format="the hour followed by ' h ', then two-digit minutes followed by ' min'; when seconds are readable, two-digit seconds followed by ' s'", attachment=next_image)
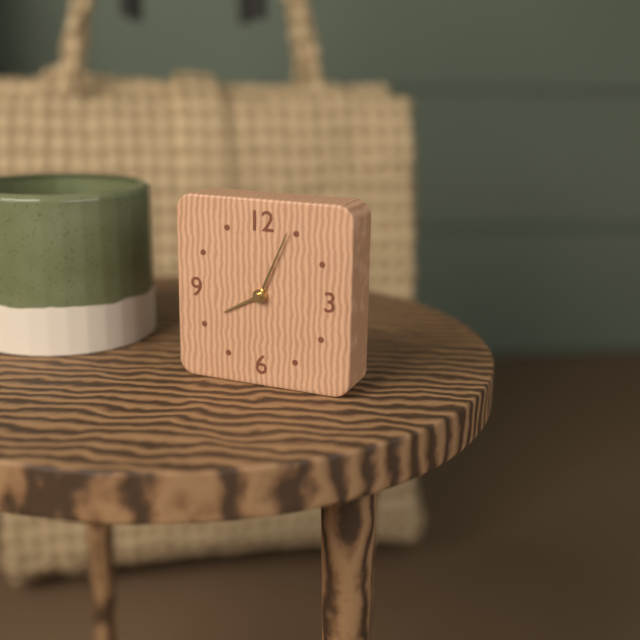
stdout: 8 h 04 min
